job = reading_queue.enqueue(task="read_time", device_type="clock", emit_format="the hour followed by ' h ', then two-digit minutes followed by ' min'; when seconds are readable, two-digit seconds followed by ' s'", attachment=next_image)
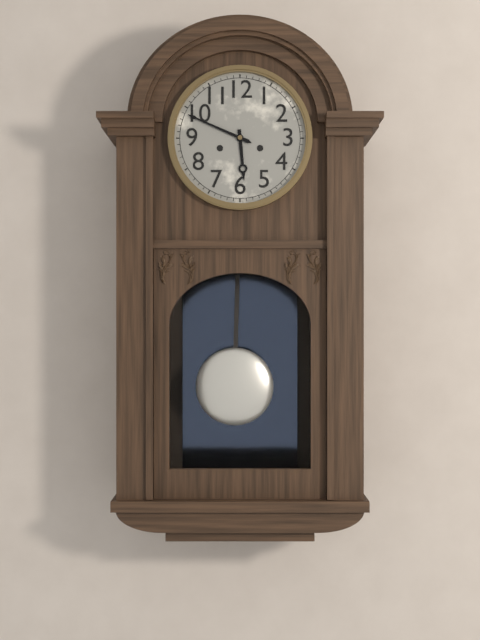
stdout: 5 h 49 min
